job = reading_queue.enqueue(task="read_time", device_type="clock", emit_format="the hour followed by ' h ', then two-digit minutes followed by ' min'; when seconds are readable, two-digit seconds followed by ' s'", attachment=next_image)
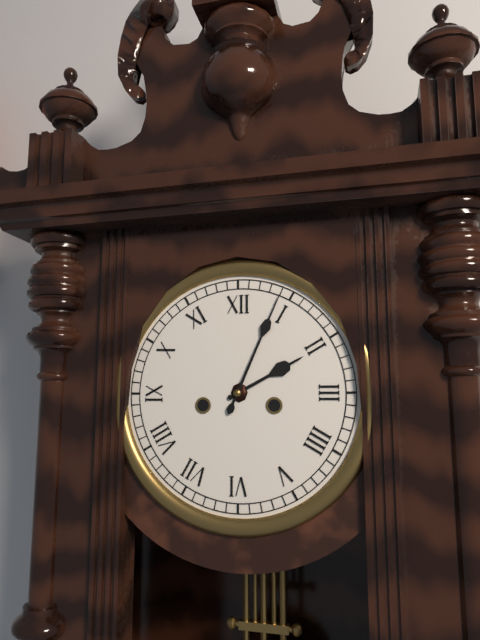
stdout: 2 h 04 min
